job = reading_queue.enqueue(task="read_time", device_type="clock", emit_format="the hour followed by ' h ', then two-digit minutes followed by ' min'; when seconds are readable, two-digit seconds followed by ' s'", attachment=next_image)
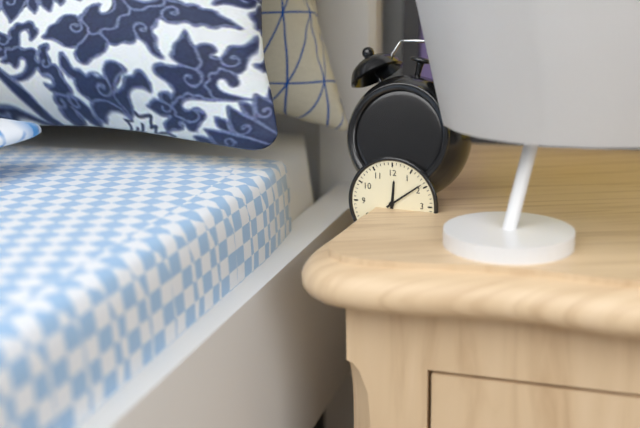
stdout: 12 h 09 min
